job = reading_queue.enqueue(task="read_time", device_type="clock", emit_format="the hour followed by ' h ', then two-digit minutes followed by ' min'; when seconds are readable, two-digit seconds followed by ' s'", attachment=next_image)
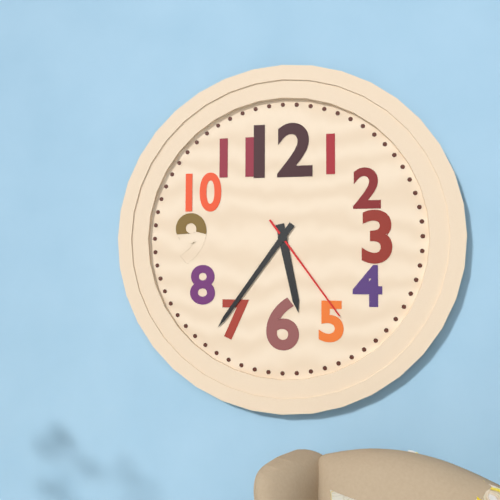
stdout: 5 h 36 min 24 s
